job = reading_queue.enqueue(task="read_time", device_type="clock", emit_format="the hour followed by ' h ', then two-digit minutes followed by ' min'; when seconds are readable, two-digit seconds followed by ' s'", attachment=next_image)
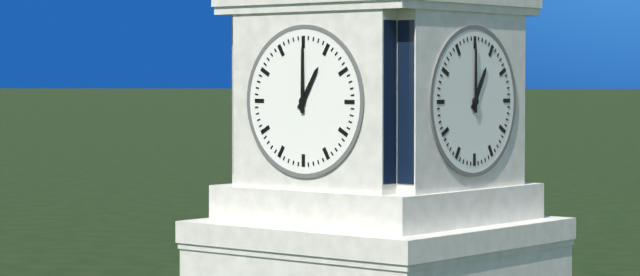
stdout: 1 h 00 min
